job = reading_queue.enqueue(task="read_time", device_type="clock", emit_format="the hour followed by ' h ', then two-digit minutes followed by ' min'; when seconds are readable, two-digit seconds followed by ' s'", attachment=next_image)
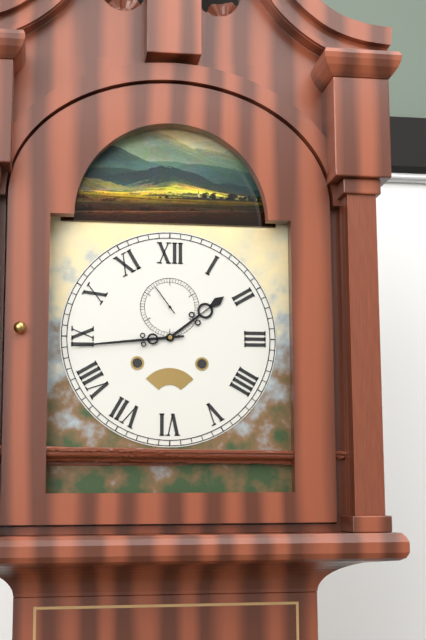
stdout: 1 h 44 min
